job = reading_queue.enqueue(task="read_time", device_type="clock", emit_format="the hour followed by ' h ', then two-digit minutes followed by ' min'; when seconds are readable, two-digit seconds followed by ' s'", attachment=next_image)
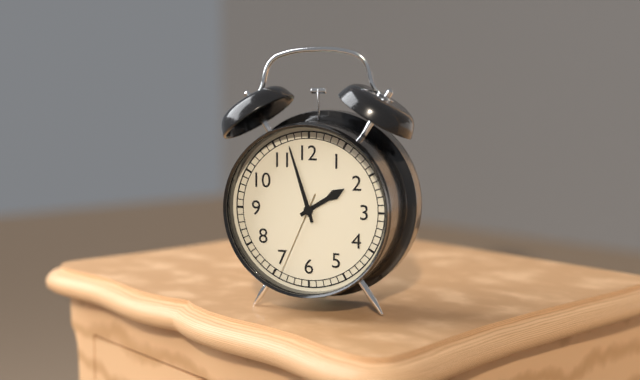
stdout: 1 h 57 min 34 s
